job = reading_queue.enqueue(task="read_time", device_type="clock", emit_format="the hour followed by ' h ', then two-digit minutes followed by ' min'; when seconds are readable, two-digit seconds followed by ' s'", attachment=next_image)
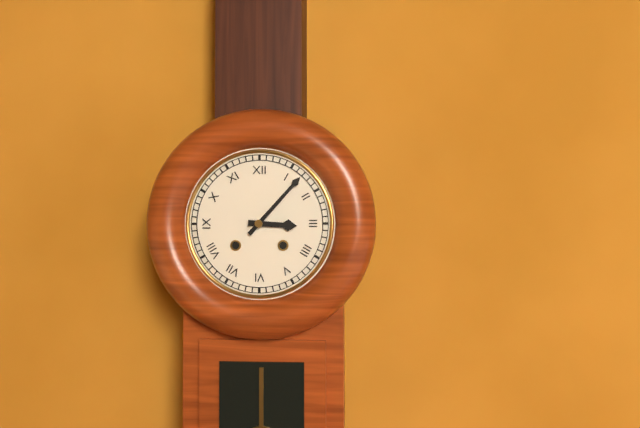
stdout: 3 h 07 min
